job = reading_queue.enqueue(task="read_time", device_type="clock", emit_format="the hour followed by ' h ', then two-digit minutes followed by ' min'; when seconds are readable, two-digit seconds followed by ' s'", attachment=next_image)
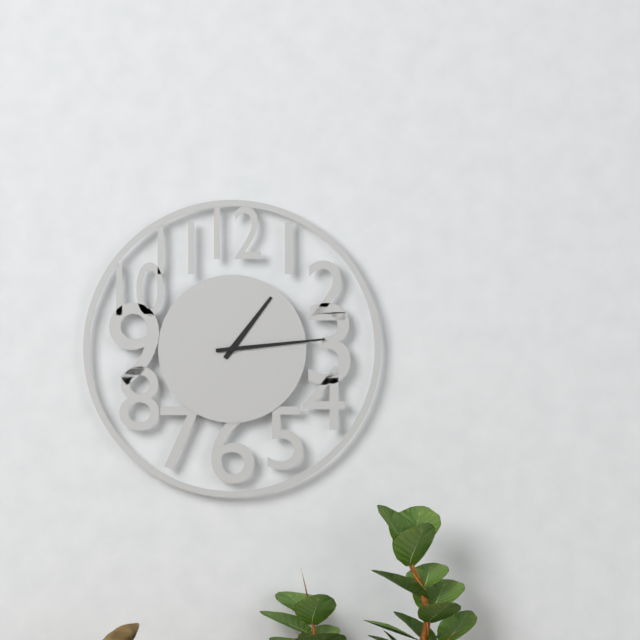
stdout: 1 h 14 min
